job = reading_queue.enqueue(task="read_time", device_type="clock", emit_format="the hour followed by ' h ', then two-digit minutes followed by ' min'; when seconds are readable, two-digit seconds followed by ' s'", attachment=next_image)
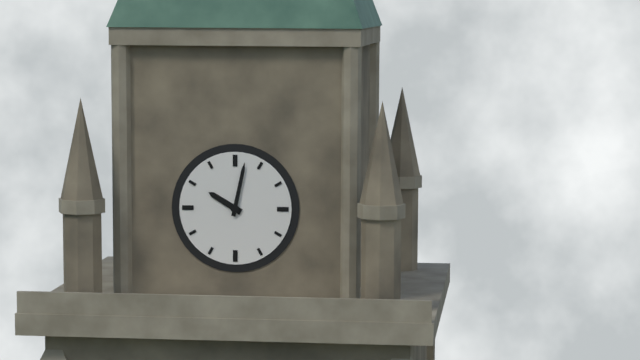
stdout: 10 h 02 min
